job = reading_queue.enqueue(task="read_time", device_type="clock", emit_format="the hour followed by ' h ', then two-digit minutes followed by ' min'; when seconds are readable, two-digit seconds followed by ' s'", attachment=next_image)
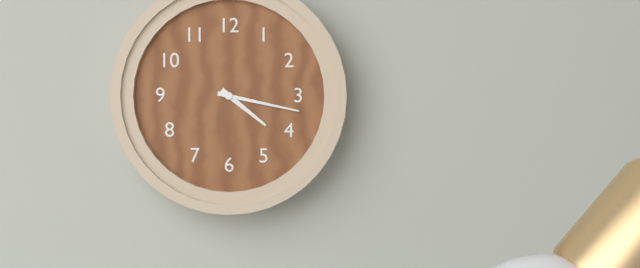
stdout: 4 h 17 min
